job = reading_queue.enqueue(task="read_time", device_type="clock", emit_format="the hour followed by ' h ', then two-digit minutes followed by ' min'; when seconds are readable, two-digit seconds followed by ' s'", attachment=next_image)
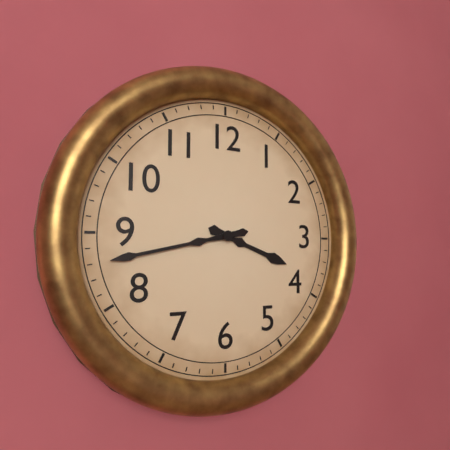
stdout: 3 h 43 min
